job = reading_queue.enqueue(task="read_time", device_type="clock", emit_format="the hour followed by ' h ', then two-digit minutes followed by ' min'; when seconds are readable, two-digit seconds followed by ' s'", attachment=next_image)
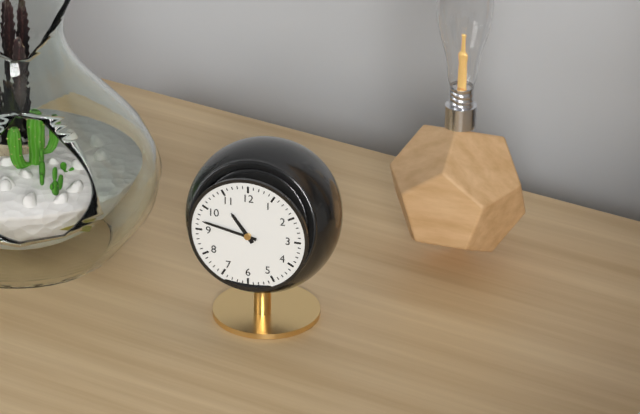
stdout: 10 h 47 min
